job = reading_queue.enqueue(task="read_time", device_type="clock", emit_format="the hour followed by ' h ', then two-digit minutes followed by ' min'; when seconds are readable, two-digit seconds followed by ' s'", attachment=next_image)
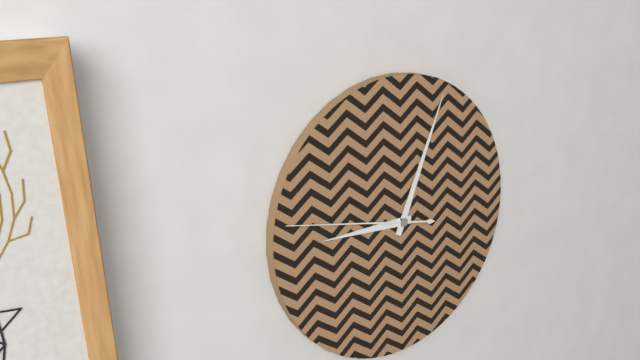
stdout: 9 h 04 min 47 s
